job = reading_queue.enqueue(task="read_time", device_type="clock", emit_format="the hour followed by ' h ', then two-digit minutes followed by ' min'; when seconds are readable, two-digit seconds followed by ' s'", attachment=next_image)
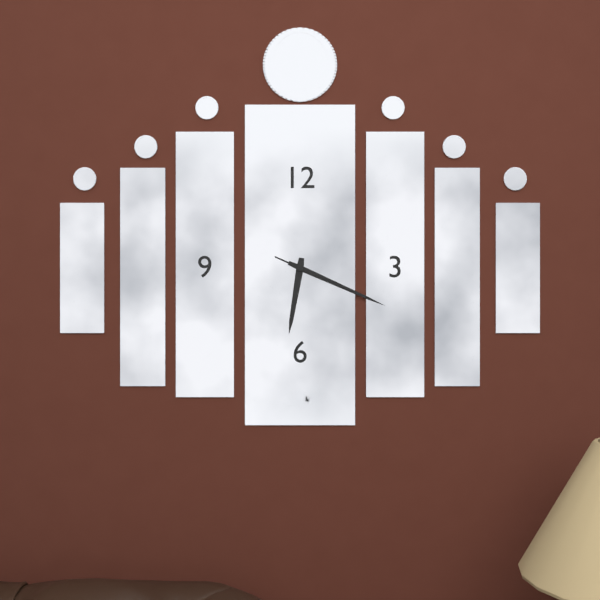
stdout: 6 h 19 min 19 s
